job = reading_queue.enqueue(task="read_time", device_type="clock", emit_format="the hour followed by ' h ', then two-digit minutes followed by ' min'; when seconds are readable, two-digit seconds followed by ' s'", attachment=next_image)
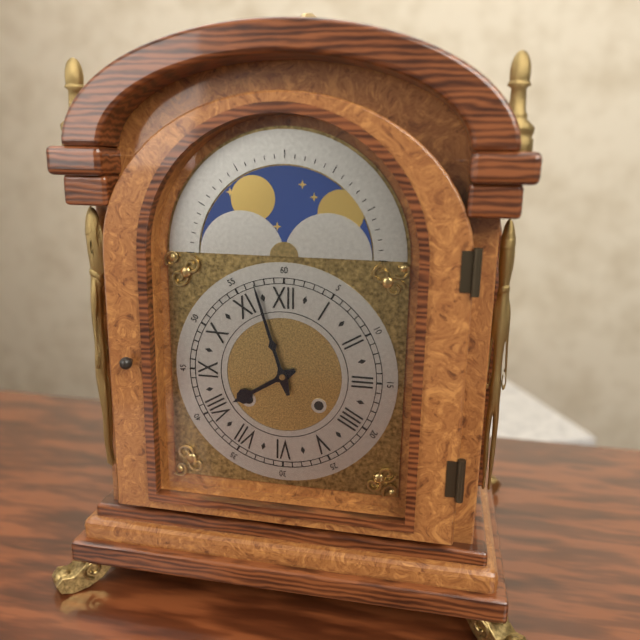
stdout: 7 h 57 min
